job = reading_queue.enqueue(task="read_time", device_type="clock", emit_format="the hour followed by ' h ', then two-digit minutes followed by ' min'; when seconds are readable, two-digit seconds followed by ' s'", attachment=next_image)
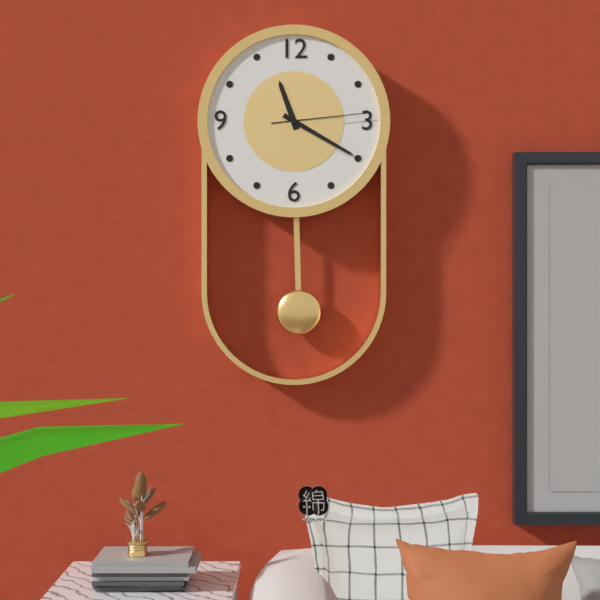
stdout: 11 h 20 min 14 s
